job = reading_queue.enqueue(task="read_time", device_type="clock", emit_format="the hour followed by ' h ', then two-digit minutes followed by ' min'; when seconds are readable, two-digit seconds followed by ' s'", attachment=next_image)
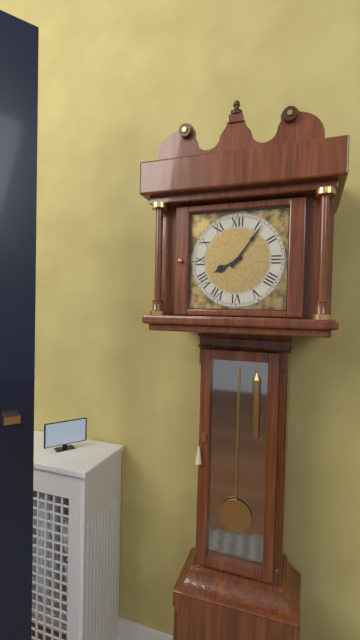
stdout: 8 h 06 min
